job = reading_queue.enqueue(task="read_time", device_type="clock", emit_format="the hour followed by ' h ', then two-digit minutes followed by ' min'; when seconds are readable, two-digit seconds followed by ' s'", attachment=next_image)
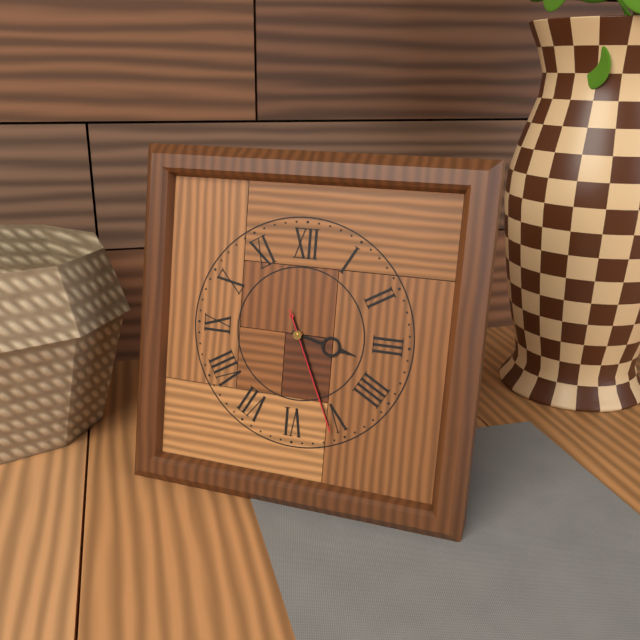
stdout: 3 h 26 min 26 s
